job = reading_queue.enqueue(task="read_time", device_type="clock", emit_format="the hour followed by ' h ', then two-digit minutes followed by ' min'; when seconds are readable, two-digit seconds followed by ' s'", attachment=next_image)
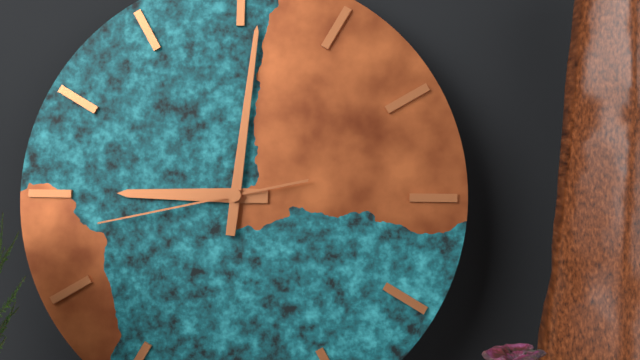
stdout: 9 h 01 min 43 s
